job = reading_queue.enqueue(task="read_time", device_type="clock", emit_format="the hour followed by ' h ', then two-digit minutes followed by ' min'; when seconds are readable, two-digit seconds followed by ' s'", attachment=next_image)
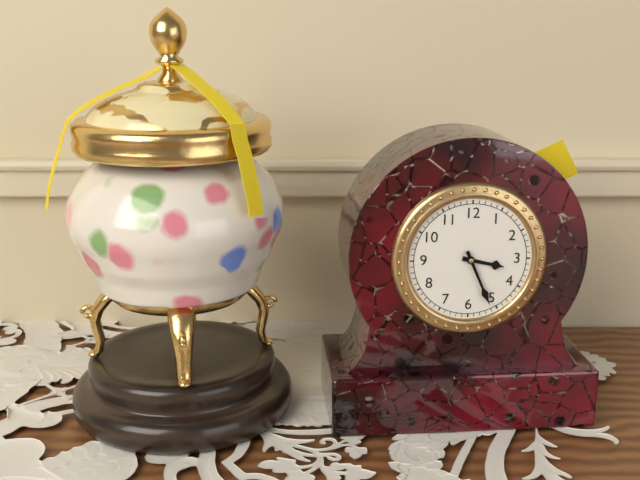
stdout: 3 h 26 min
